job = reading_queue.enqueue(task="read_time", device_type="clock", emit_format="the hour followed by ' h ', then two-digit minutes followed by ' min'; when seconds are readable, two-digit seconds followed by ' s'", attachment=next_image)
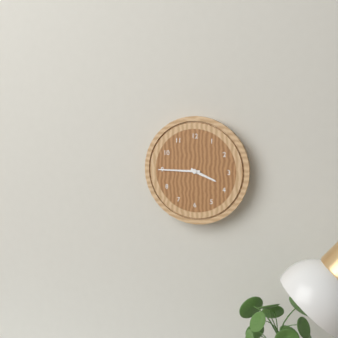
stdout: 3 h 45 min
